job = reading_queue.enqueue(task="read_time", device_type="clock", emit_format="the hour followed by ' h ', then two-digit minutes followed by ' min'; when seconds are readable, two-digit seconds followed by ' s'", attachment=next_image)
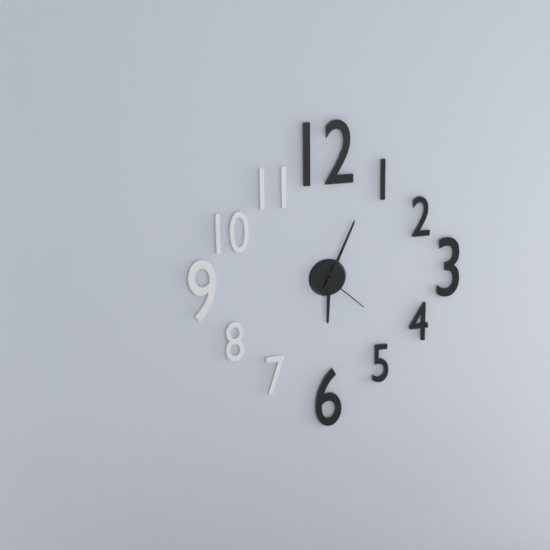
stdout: 6 h 04 min 22 s
